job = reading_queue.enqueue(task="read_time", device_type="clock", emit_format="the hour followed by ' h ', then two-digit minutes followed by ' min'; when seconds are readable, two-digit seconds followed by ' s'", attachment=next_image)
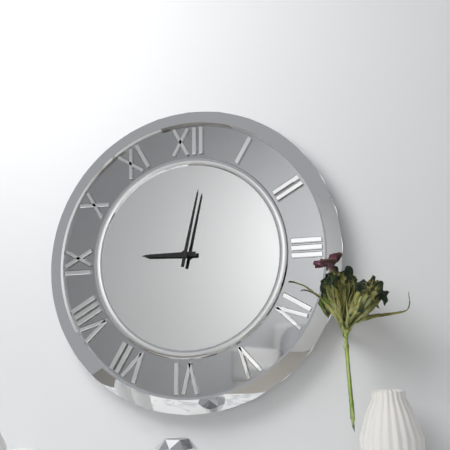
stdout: 9 h 02 min
